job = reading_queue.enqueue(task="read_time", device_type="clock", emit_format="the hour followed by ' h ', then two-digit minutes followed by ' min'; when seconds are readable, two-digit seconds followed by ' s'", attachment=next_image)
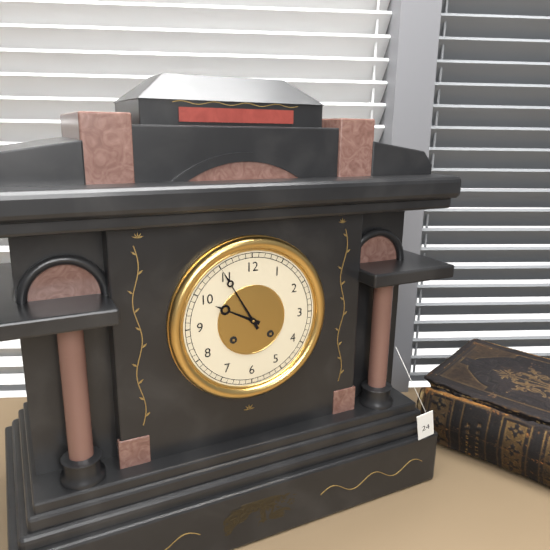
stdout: 9 h 55 min
